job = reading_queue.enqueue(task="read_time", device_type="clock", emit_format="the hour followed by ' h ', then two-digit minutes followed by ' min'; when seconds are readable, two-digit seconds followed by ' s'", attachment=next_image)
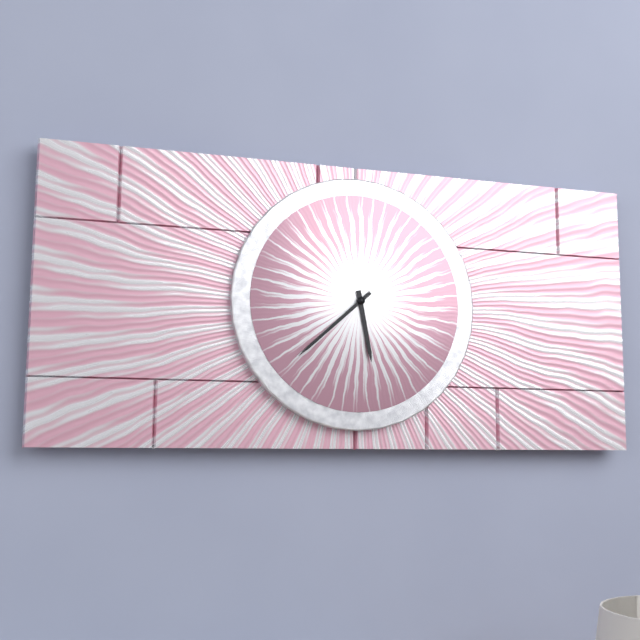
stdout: 5 h 38 min
